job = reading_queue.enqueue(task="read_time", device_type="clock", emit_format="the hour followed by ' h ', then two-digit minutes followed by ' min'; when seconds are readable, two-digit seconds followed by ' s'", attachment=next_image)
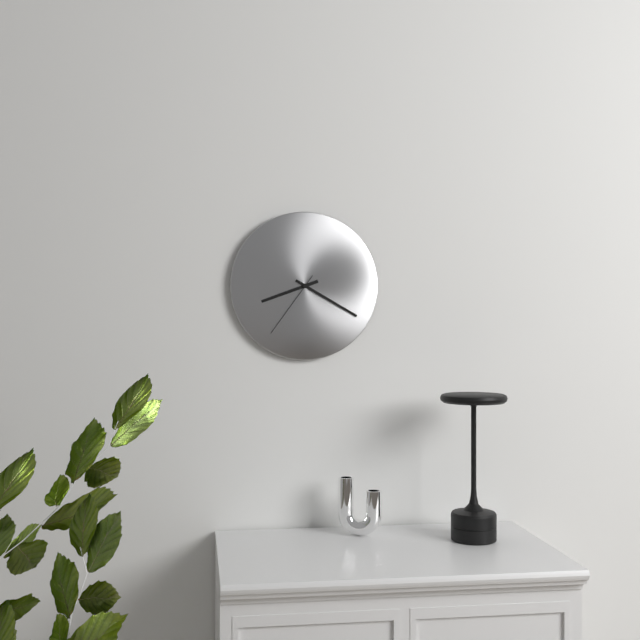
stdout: 8 h 20 min 36 s
